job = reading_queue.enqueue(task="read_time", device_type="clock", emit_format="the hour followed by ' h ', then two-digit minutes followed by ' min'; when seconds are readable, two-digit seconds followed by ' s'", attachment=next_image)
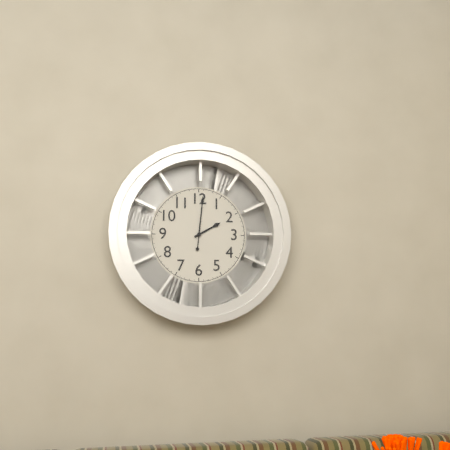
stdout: 2 h 01 min
